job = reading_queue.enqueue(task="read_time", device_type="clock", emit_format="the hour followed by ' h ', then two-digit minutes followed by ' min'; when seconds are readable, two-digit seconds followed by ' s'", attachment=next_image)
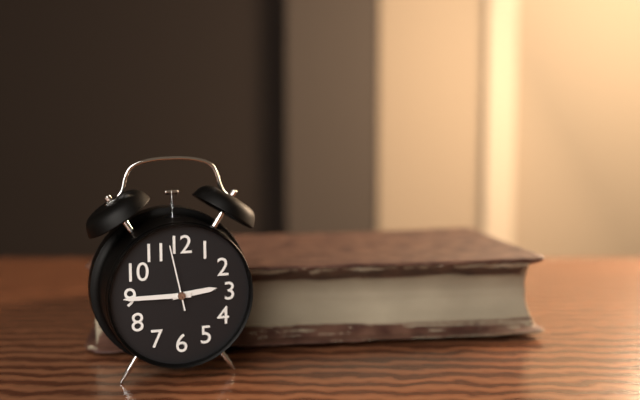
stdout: 2 h 45 min 58 s
